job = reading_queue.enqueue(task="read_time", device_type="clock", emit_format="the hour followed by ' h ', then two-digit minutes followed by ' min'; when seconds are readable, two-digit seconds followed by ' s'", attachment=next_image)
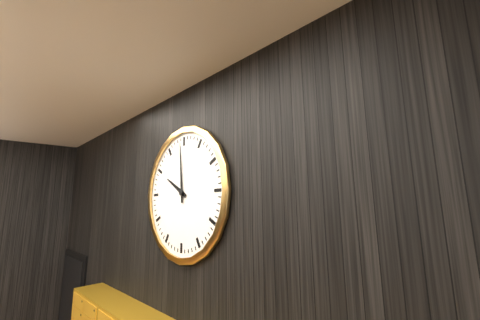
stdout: 9 h 59 min
